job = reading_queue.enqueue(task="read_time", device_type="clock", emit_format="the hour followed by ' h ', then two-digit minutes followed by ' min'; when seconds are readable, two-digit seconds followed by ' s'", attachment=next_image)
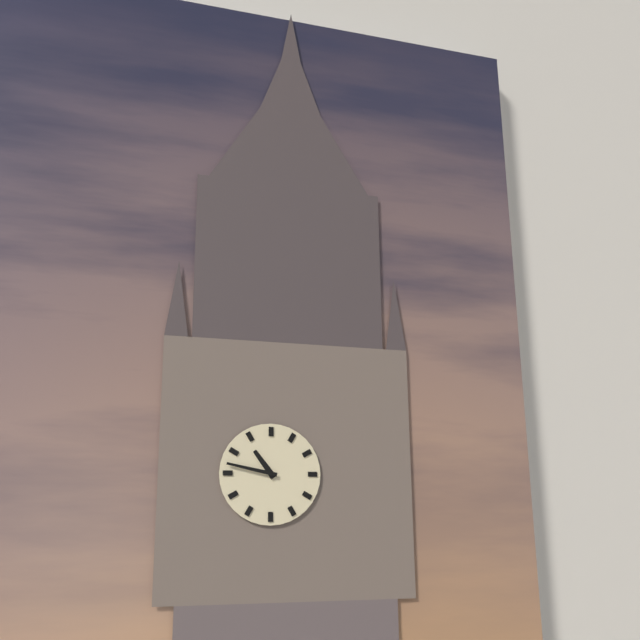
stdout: 10 h 47 min
